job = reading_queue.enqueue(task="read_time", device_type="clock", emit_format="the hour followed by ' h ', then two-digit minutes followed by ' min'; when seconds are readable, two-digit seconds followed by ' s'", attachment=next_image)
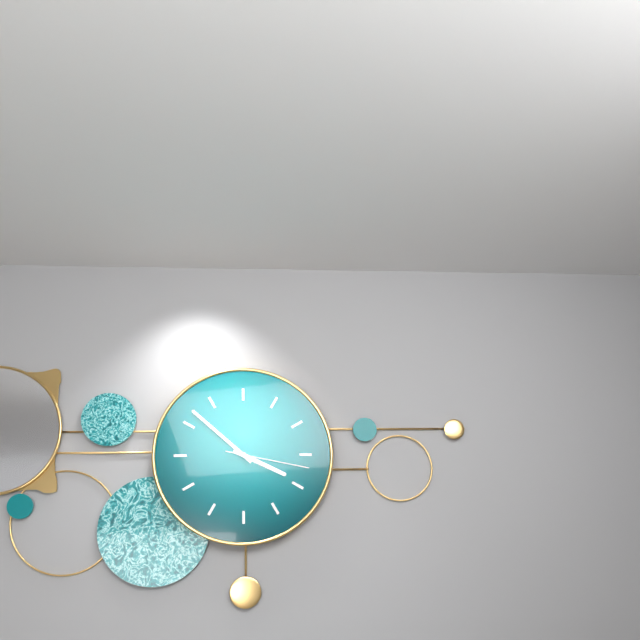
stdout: 3 h 52 min 17 s
